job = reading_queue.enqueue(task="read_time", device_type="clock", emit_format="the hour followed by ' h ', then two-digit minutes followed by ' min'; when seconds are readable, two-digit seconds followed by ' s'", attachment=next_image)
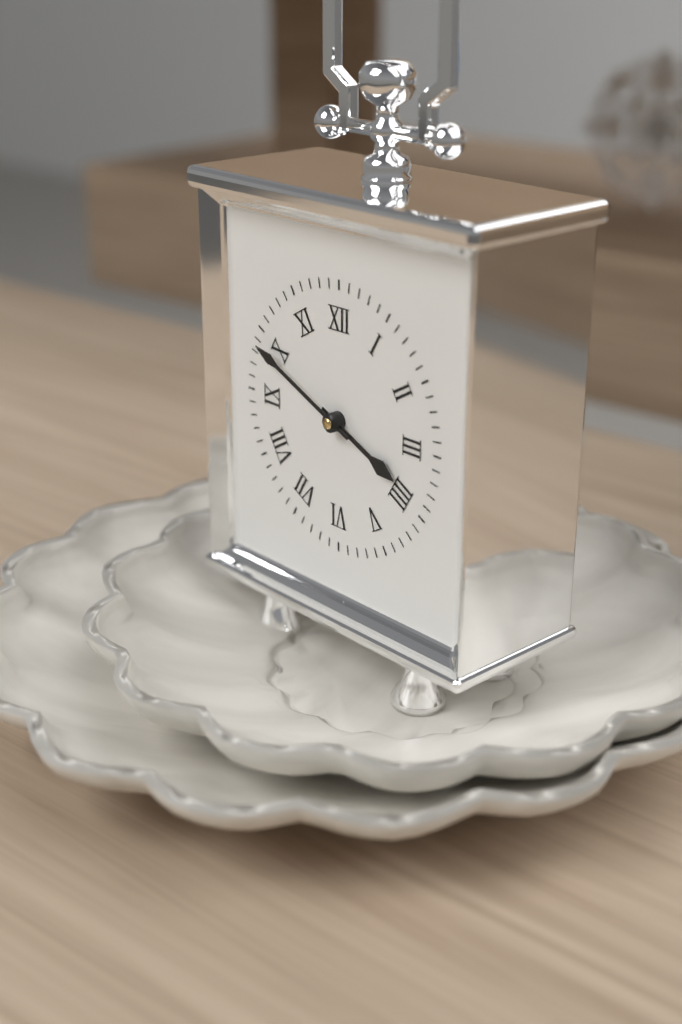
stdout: 3 h 49 min
